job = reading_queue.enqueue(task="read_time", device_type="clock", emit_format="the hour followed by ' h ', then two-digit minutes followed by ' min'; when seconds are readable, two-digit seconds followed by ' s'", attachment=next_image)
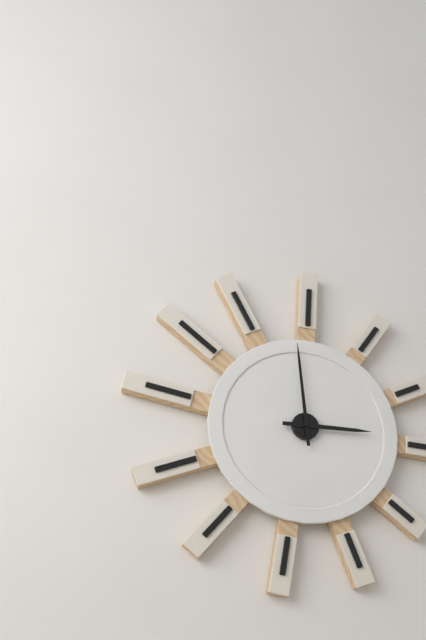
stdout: 2 h 59 min
